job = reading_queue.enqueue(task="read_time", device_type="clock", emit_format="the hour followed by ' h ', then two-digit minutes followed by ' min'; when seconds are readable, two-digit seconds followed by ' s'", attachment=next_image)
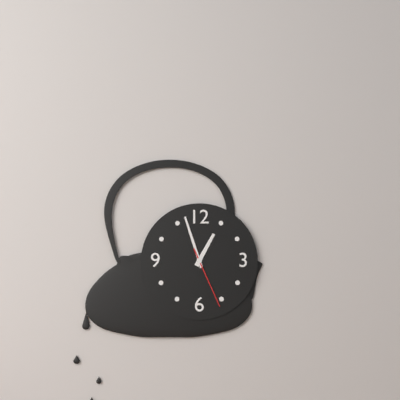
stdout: 12 h 57 min 26 s
